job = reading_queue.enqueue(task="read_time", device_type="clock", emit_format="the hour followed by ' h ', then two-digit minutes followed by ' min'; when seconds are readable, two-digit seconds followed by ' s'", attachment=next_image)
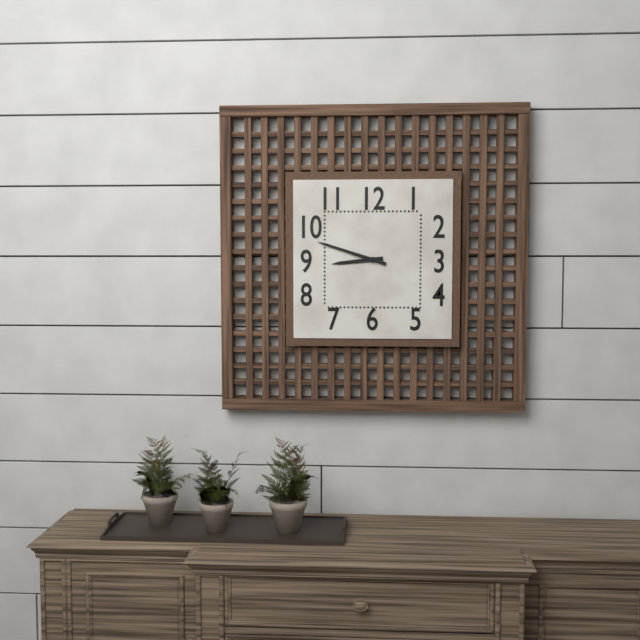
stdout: 8 h 48 min
